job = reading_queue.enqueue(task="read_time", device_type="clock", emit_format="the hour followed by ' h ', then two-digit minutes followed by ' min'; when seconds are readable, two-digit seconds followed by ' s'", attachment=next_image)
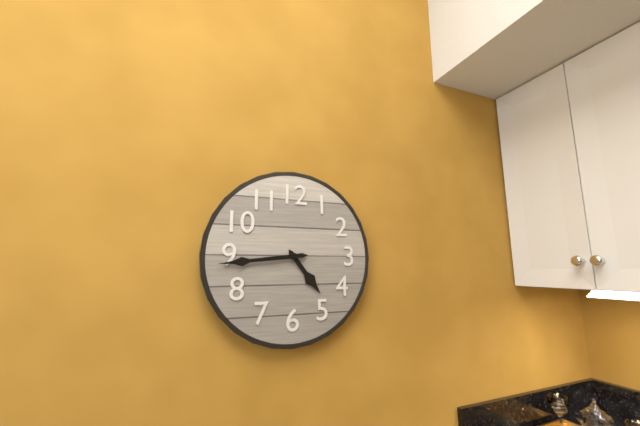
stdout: 4 h 44 min
